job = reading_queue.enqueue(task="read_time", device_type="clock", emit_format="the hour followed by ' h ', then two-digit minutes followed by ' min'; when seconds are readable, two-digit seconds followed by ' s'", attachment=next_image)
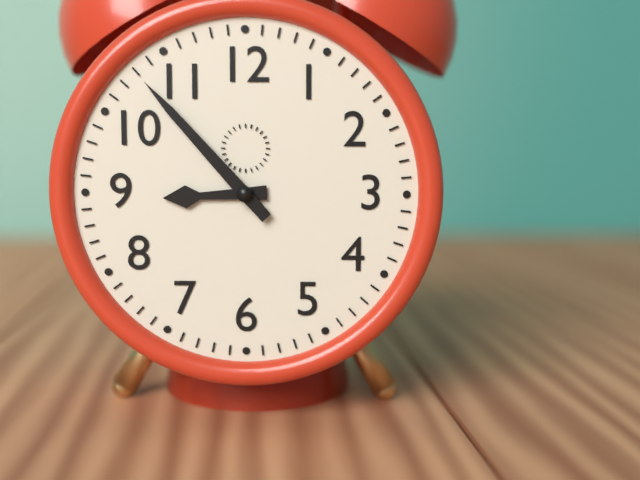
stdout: 8 h 53 min
